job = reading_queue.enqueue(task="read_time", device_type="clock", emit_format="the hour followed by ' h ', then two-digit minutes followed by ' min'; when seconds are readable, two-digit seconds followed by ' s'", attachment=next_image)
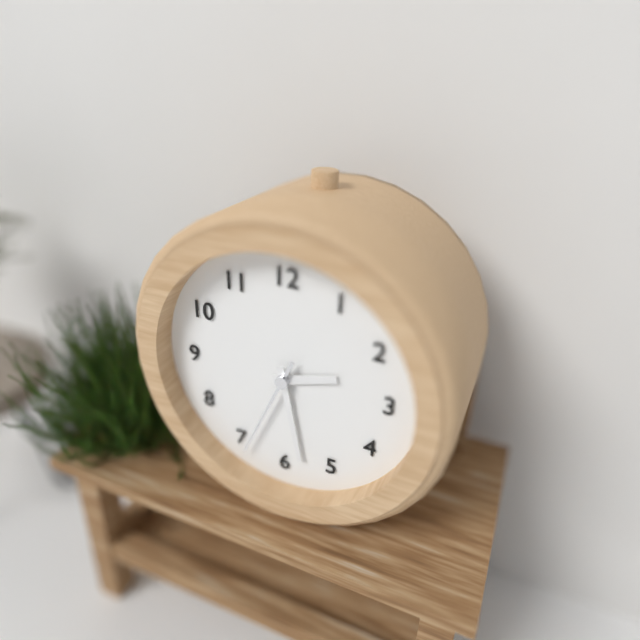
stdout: 2 h 28 min 34 s
